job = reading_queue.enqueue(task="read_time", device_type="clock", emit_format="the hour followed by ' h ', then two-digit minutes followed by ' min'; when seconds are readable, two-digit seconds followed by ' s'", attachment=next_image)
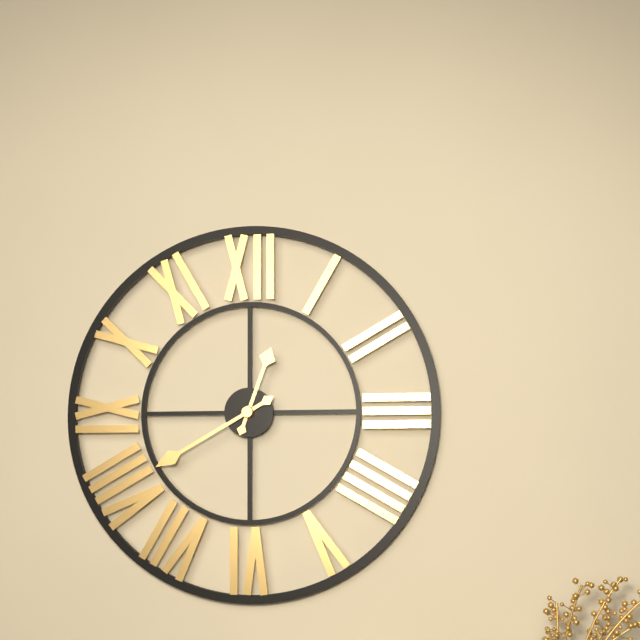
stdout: 12 h 40 min
